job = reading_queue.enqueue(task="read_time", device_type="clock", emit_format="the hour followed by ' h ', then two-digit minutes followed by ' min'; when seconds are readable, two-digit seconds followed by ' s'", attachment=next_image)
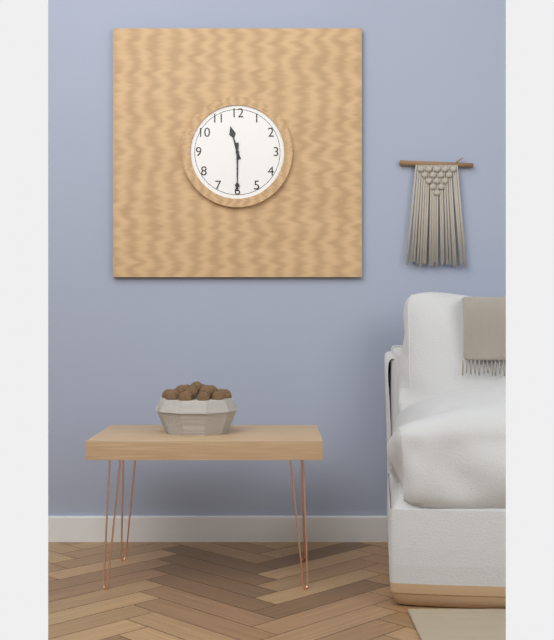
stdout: 11 h 30 min
